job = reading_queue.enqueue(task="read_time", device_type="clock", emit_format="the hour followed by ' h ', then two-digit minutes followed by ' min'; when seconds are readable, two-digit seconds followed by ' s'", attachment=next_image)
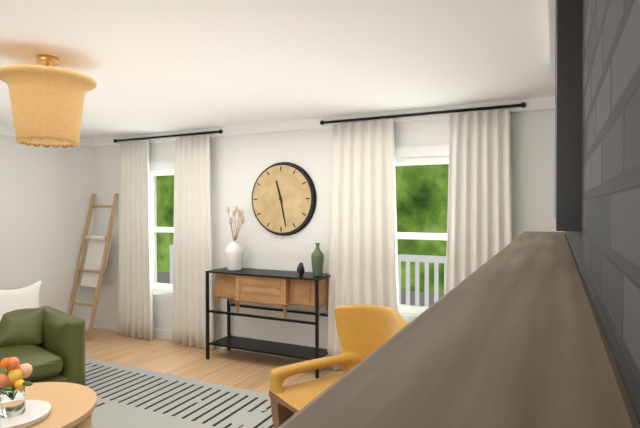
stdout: 11 h 28 min
